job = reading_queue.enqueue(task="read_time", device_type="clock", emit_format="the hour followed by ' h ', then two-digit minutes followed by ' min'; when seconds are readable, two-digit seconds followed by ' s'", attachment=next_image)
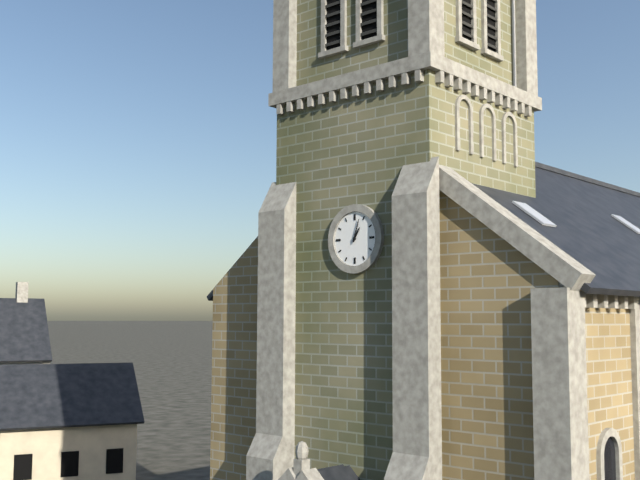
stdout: 1 h 03 min
